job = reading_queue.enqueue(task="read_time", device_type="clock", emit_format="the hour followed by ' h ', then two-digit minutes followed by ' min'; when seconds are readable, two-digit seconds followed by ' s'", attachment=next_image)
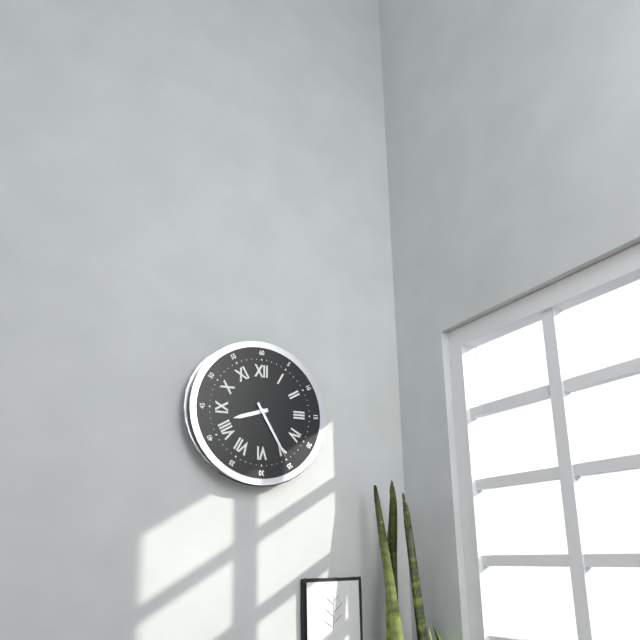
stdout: 8 h 25 min
